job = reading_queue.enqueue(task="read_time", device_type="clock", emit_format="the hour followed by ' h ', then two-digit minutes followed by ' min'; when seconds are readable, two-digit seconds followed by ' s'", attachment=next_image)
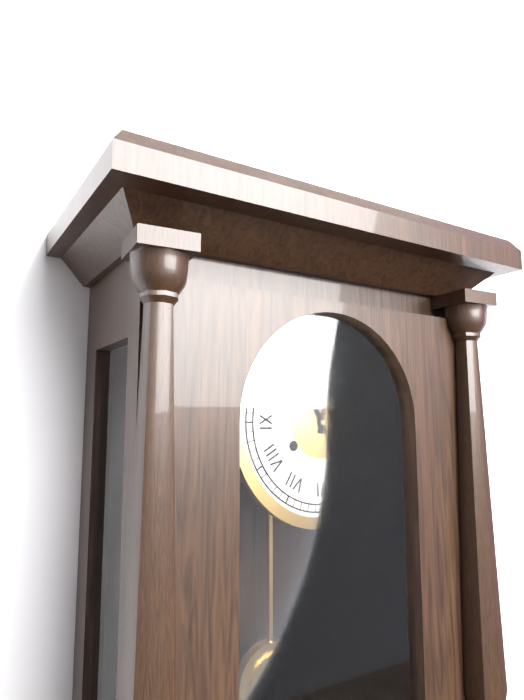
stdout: 12 h 25 min
